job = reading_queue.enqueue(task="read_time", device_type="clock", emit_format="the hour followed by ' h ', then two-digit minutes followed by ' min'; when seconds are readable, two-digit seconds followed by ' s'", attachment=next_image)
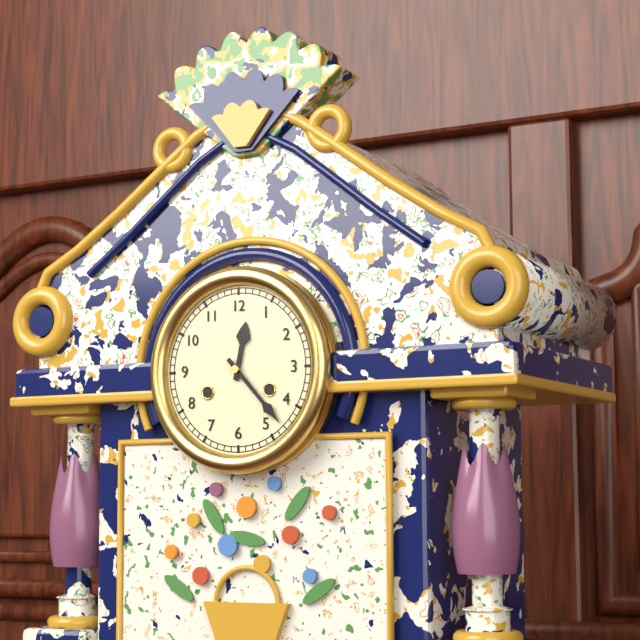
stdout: 12 h 23 min
